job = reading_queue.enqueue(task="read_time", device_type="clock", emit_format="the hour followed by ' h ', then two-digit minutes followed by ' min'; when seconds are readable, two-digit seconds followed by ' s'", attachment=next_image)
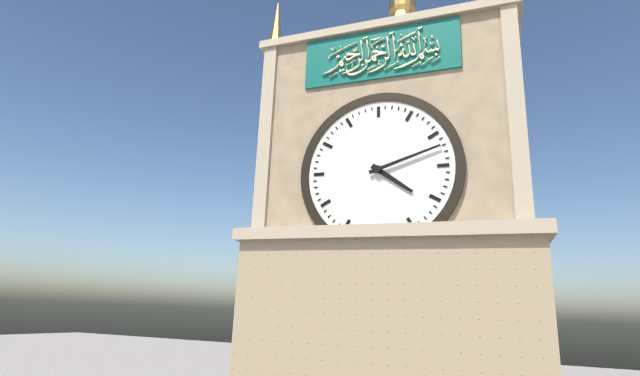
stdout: 4 h 12 min
